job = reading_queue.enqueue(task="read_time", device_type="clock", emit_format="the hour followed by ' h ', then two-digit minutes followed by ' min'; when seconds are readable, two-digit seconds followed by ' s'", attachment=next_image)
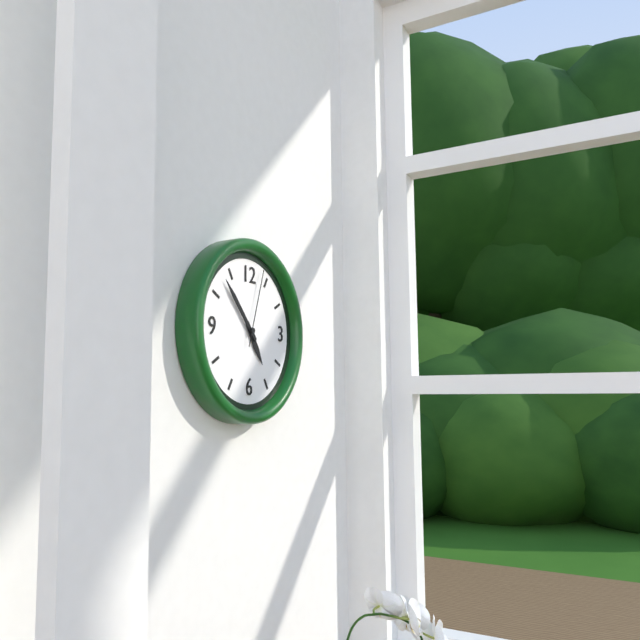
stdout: 4 h 53 min 03 s
